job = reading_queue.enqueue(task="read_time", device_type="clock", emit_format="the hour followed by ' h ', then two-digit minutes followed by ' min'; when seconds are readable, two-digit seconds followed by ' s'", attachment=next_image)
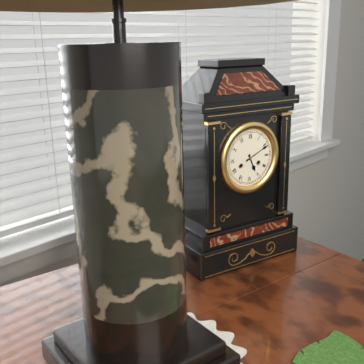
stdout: 5 h 11 min
